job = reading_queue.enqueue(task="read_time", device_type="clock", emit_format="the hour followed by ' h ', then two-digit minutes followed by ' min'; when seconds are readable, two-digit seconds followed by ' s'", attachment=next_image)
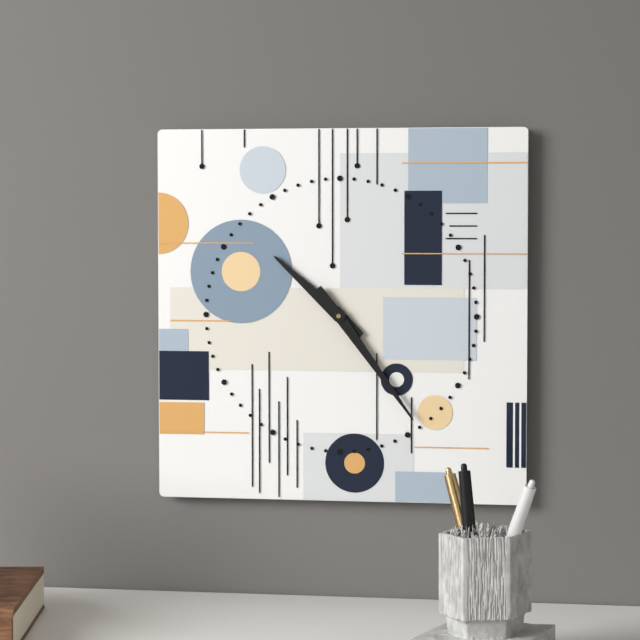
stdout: 10 h 24 min
